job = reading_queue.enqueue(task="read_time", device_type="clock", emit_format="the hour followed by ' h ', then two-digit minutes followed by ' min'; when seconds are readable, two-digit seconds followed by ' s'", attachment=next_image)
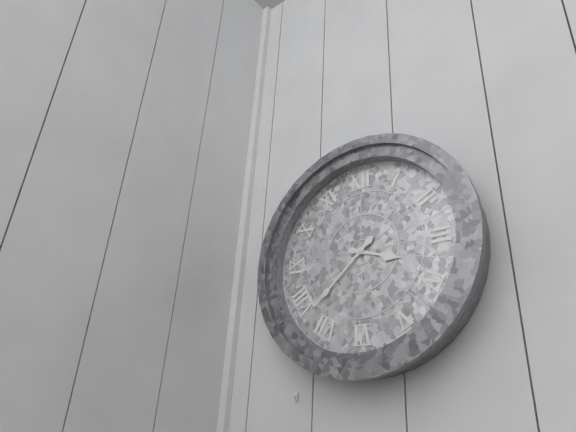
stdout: 3 h 38 min
